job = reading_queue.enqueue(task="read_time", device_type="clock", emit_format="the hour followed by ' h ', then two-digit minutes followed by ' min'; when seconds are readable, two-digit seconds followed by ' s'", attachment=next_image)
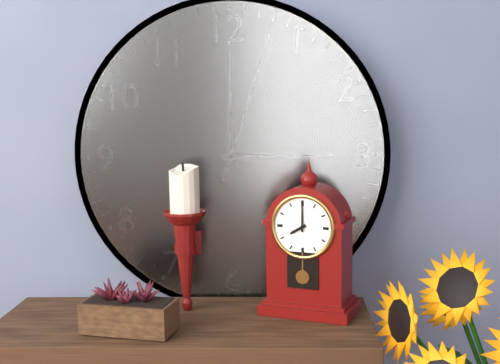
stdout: 8 h 00 min
